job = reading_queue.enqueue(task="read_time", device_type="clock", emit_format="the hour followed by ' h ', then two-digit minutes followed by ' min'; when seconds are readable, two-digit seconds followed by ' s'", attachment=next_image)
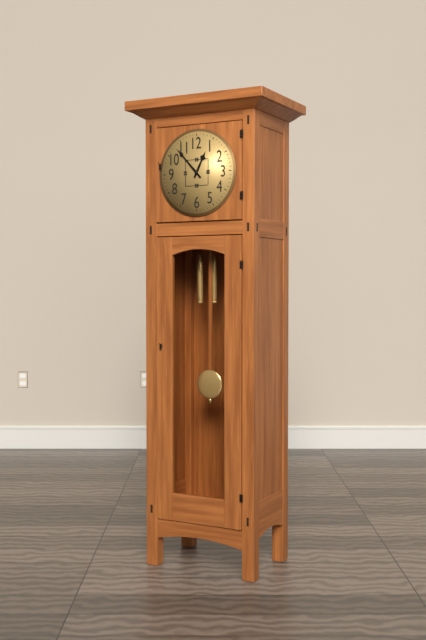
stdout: 12 h 53 min
